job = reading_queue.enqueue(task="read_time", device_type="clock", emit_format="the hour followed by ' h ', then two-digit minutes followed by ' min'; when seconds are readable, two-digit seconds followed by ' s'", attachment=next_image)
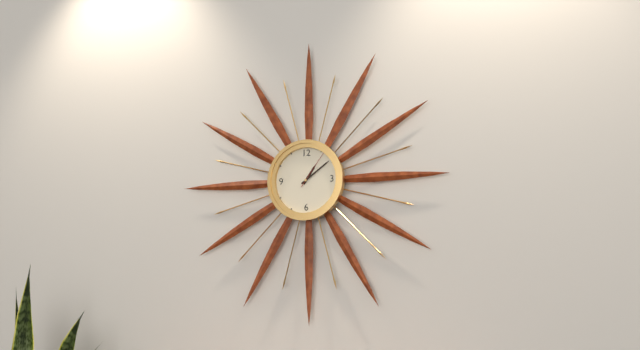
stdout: 1 h 09 min
